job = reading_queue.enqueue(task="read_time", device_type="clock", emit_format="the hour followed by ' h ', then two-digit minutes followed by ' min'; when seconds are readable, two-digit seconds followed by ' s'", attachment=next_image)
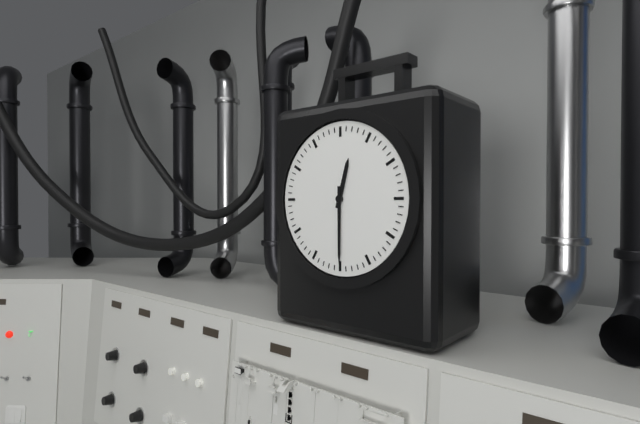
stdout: 12 h 30 min
